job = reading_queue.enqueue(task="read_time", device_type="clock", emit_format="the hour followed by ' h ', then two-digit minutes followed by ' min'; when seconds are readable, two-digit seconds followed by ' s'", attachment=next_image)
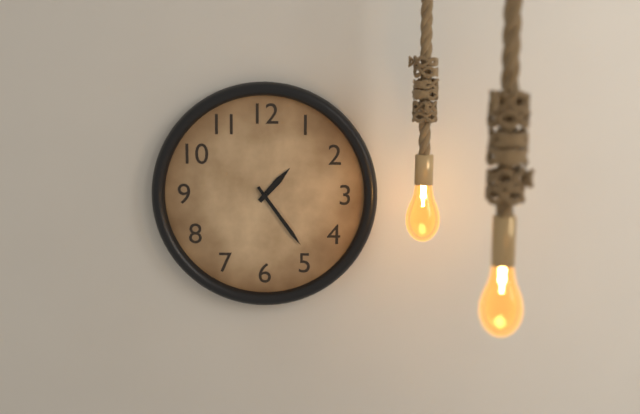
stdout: 1 h 24 min
